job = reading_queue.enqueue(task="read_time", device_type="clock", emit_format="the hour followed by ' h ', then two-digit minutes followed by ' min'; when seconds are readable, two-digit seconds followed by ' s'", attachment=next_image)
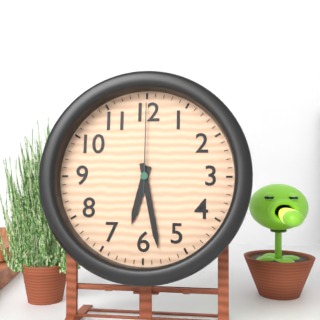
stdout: 6 h 28 min 00 s
